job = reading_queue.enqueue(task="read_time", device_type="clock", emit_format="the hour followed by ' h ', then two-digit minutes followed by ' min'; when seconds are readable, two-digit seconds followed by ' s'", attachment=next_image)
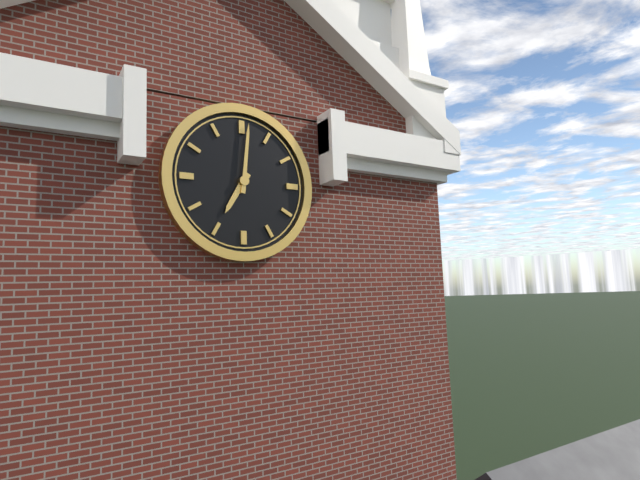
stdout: 7 h 01 min
